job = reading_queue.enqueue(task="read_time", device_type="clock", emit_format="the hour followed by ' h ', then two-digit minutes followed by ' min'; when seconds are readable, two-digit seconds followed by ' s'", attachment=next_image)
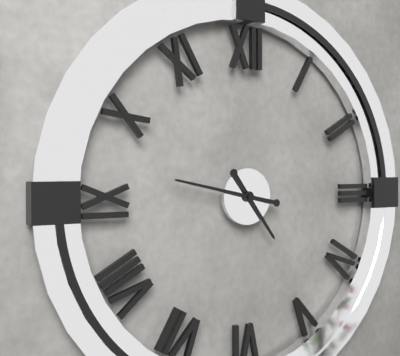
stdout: 4 h 47 min
